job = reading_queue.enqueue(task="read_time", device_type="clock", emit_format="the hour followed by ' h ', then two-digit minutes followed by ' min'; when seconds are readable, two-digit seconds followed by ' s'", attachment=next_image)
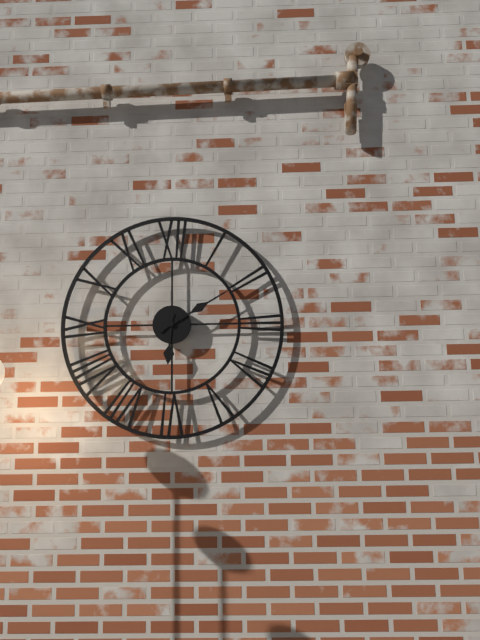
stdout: 6 h 10 min
